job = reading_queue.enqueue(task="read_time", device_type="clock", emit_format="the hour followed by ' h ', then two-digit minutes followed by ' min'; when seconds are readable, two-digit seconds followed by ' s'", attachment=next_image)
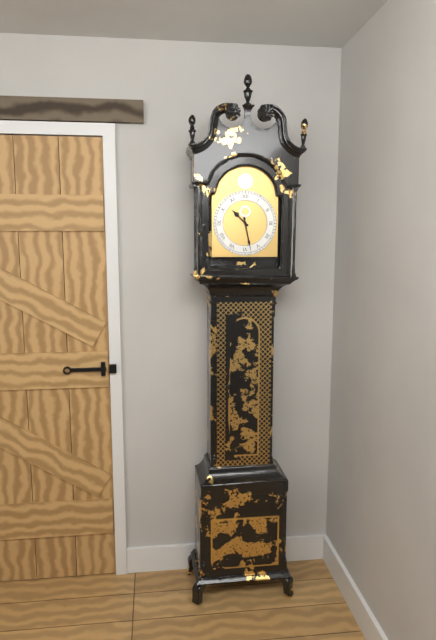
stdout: 10 h 28 min
